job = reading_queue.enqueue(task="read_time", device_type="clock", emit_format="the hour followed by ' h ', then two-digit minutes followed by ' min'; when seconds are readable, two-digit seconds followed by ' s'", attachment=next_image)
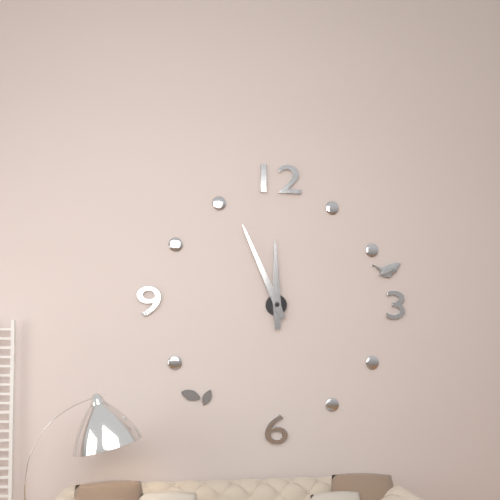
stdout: 11 h 56 min
